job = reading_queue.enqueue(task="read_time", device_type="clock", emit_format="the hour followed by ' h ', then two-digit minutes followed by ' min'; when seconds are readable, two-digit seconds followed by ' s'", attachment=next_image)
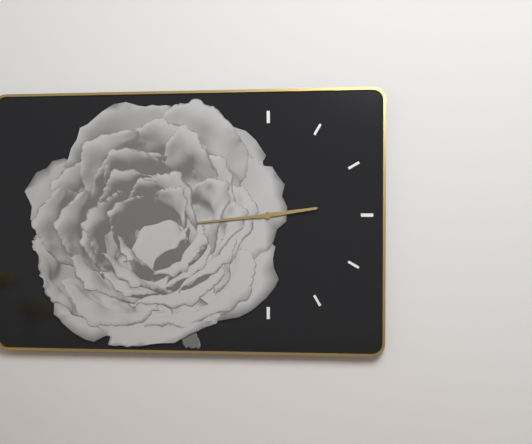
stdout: 2 h 44 min
